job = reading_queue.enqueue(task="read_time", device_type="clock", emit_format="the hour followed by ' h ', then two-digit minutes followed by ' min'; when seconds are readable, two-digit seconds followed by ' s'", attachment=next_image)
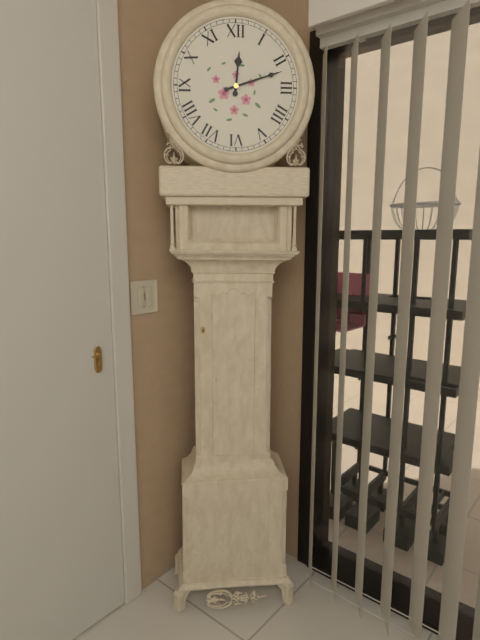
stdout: 12 h 12 min
